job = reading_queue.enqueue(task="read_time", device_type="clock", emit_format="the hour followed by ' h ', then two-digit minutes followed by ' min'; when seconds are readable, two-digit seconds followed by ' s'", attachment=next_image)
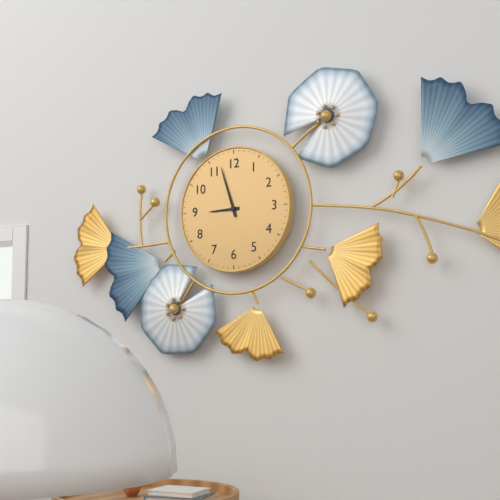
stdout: 8 h 57 min
